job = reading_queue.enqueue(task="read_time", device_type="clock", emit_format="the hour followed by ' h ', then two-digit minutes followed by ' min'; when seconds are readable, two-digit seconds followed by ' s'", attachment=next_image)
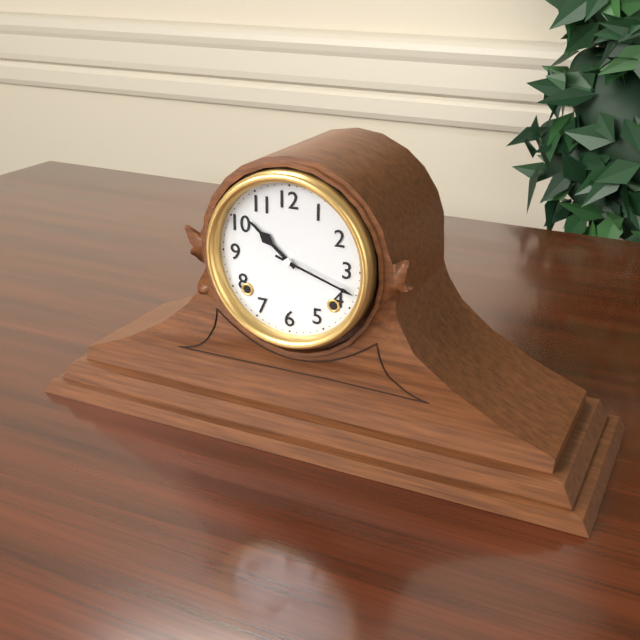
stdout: 10 h 18 min
